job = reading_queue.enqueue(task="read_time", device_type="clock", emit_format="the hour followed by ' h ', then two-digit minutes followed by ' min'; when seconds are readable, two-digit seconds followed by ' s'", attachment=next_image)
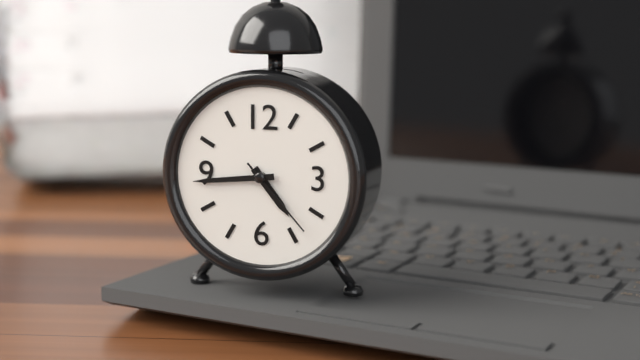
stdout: 4 h 44 min 23 s
